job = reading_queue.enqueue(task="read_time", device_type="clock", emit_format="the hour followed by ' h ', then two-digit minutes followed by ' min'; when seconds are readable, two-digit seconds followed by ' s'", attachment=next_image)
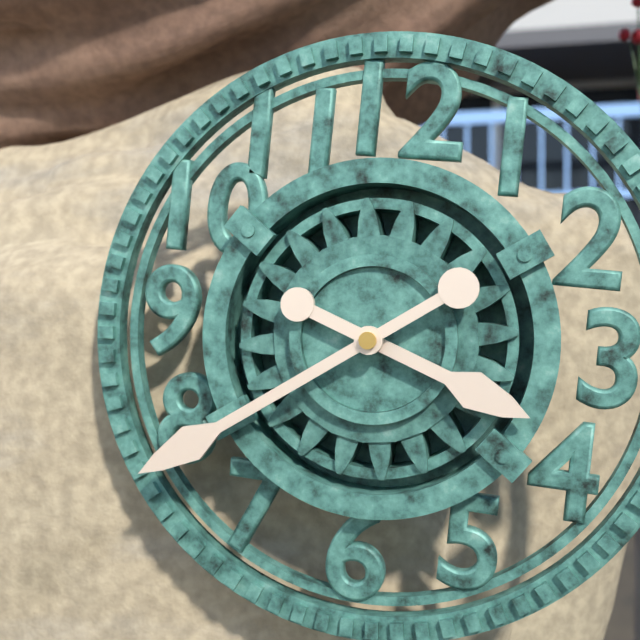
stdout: 3 h 39 min
